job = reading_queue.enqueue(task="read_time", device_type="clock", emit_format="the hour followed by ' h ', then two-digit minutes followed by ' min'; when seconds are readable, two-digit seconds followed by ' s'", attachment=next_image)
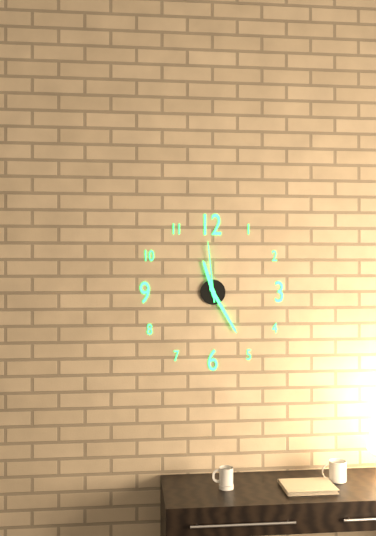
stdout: 11 h 25 min 59 s
